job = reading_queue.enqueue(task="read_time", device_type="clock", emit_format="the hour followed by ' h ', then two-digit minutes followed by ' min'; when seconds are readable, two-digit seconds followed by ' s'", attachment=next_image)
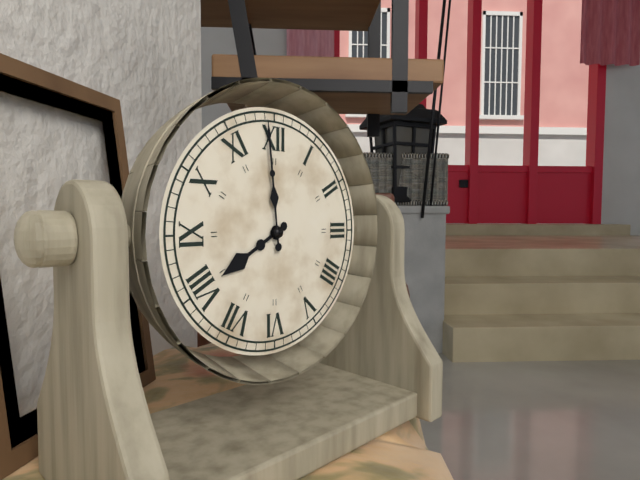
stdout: 7 h 59 min
